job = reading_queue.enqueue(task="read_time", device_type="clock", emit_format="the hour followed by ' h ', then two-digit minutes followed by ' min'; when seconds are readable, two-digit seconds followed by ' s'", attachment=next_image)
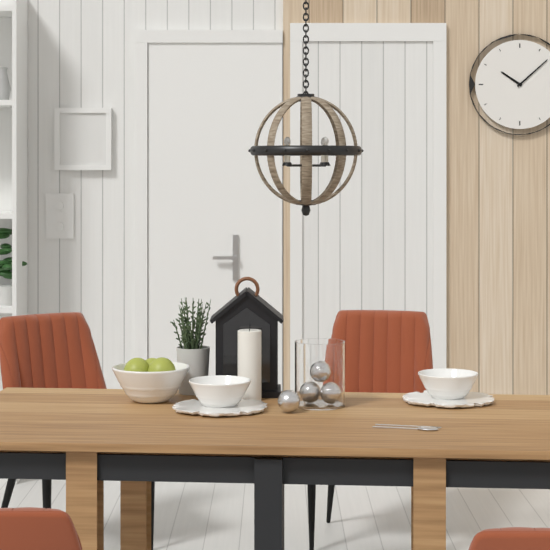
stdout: 10 h 08 min
